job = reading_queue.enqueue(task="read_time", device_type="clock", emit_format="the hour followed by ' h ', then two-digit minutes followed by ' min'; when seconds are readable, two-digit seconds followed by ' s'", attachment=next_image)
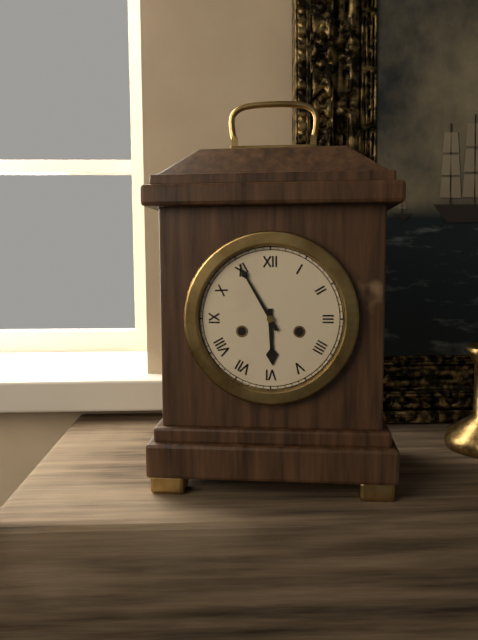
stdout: 5 h 55 min
